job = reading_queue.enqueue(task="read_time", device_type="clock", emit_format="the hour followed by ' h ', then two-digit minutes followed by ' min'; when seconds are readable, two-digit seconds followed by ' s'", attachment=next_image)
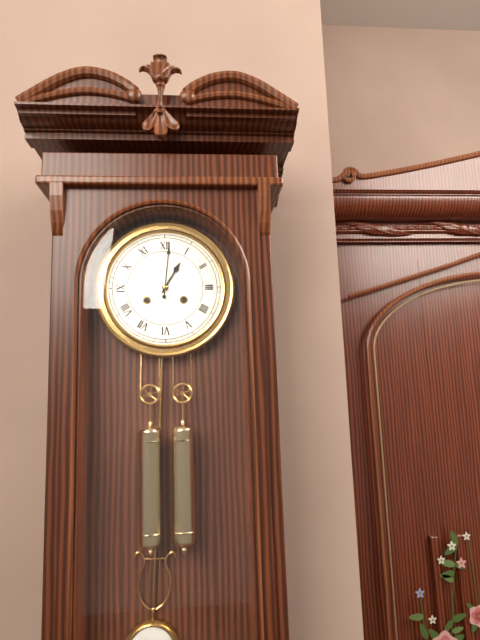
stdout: 1 h 01 min
